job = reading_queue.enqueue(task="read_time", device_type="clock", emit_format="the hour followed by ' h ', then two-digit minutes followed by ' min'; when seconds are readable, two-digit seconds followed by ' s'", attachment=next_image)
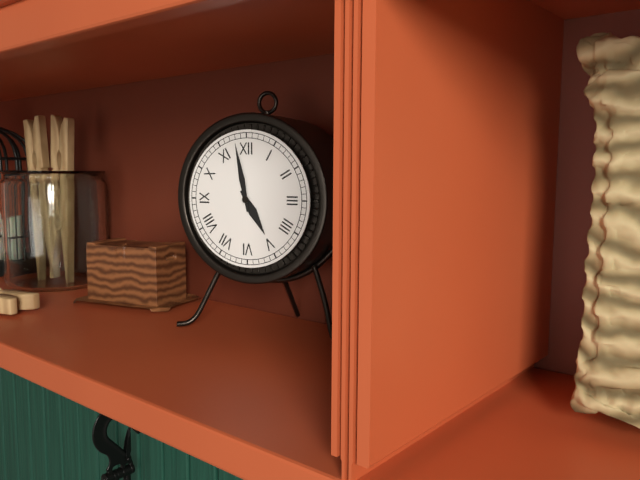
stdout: 4 h 58 min
